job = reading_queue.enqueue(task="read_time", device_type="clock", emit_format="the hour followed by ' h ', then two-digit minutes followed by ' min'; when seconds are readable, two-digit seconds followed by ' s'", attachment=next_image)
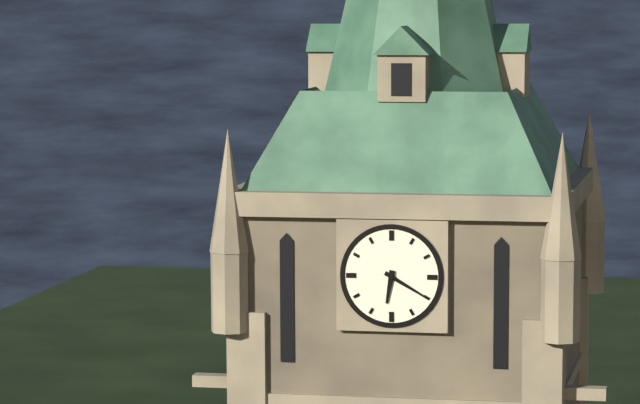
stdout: 6 h 20 min
